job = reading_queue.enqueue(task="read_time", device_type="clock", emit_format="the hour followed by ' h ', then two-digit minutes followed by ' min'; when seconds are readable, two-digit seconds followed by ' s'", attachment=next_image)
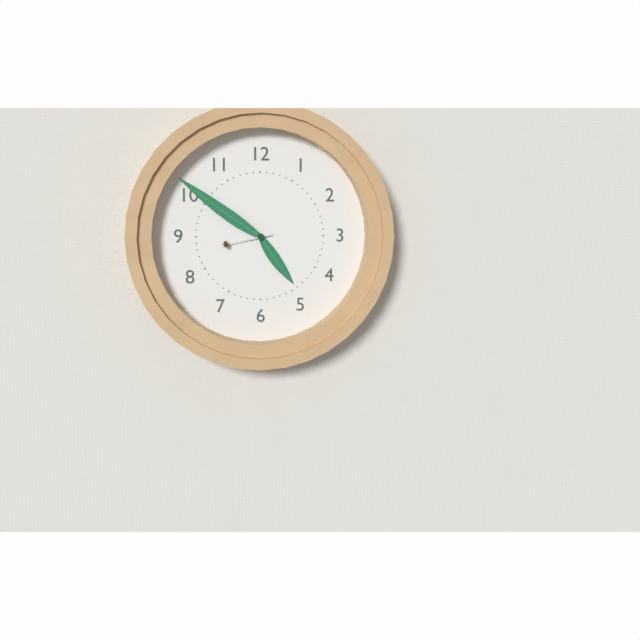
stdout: 4 h 51 min 43 s
